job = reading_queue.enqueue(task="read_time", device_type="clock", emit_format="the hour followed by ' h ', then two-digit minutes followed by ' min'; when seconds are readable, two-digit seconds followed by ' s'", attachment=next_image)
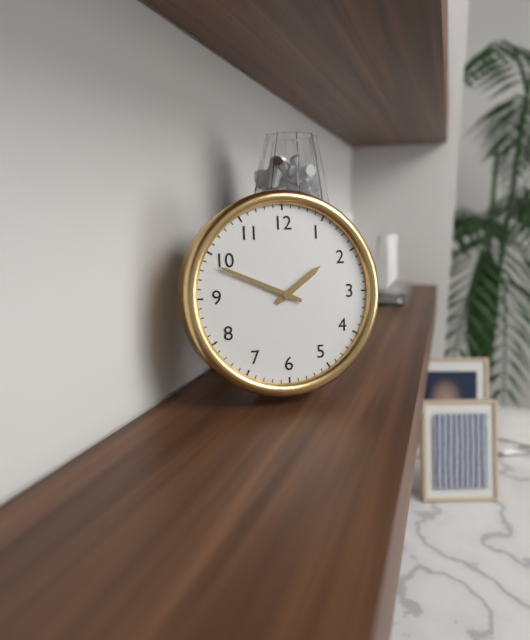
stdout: 1 h 49 min
